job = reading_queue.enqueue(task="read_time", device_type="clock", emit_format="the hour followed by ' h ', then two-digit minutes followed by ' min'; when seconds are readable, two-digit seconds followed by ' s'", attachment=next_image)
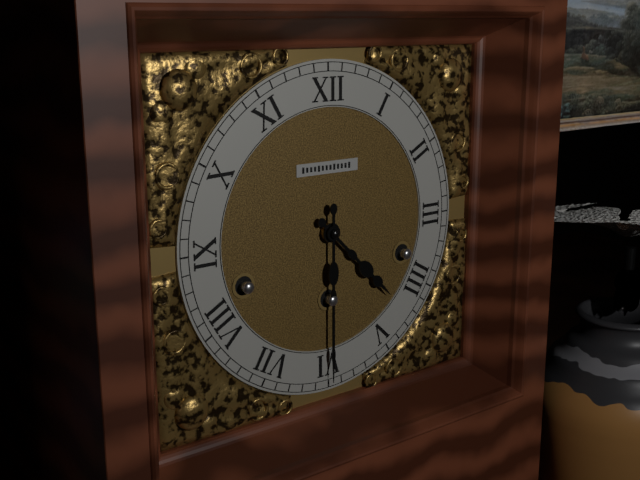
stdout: 4 h 30 min
